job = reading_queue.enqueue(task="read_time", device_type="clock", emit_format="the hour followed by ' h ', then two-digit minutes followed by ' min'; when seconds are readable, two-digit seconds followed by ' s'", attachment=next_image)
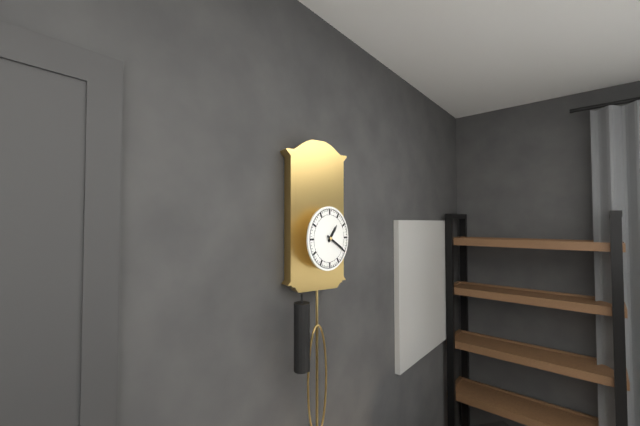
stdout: 1 h 20 min
